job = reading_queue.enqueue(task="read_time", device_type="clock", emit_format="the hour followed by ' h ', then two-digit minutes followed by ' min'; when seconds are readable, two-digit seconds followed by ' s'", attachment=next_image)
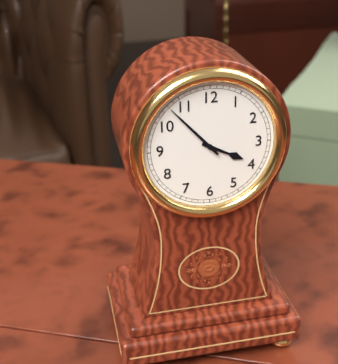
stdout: 3 h 53 min
